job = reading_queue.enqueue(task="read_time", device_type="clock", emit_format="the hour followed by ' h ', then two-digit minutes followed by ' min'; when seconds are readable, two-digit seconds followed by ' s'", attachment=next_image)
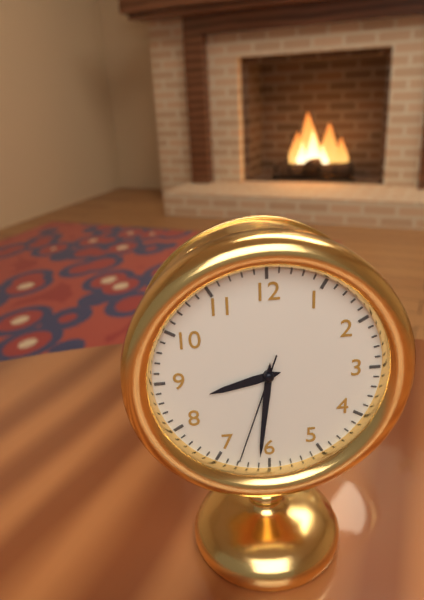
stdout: 8 h 31 min 33 s
